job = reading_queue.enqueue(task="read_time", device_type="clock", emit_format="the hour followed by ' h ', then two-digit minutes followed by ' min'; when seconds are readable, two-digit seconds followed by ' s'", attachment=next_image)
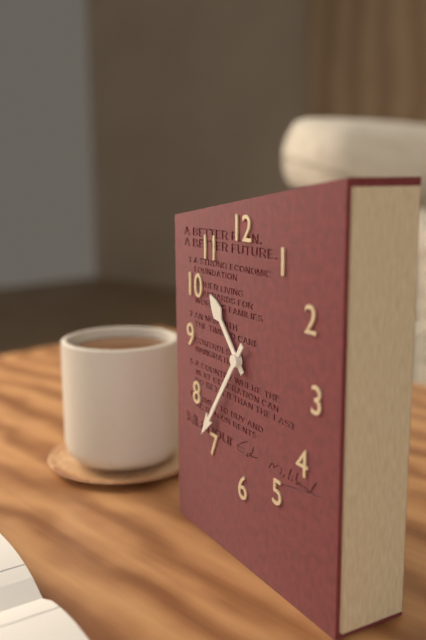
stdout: 10 h 36 min
